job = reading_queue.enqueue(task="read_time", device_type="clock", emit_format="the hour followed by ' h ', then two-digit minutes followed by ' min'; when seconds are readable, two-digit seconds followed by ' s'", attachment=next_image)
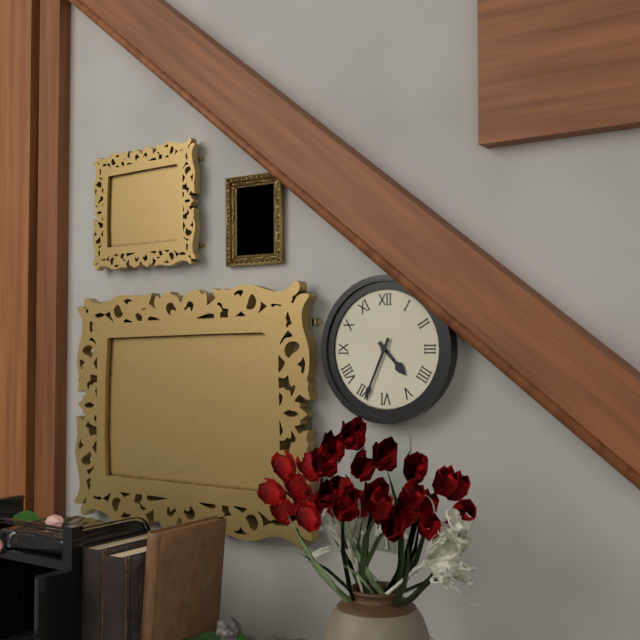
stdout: 4 h 34 min
